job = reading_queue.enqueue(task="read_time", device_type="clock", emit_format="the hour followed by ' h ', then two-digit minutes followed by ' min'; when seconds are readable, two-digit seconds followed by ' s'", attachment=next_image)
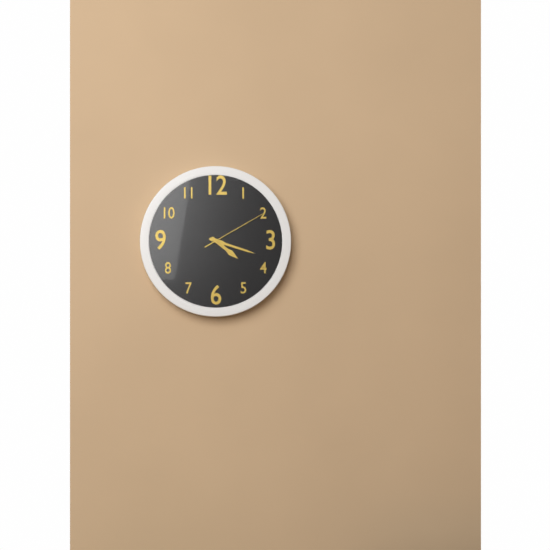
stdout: 4 h 18 min 10 s
